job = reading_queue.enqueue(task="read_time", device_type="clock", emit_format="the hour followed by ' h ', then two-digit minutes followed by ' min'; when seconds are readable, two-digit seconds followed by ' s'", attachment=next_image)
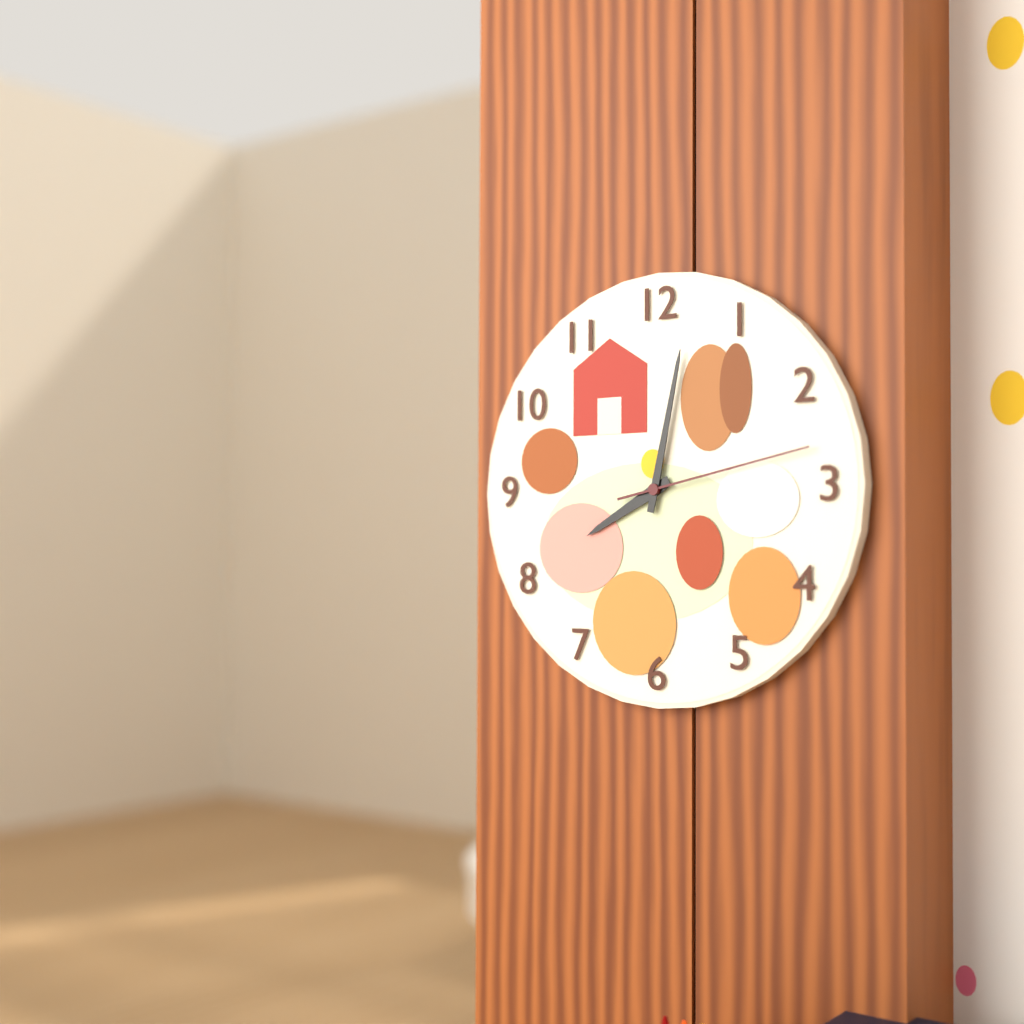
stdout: 8 h 02 min 13 s
